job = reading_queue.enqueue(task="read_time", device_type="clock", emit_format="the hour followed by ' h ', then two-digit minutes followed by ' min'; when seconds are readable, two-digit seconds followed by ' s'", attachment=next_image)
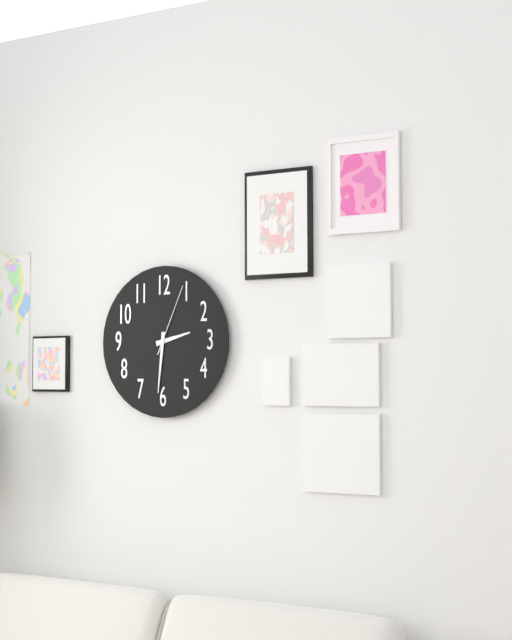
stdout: 2 h 31 min 04 s
